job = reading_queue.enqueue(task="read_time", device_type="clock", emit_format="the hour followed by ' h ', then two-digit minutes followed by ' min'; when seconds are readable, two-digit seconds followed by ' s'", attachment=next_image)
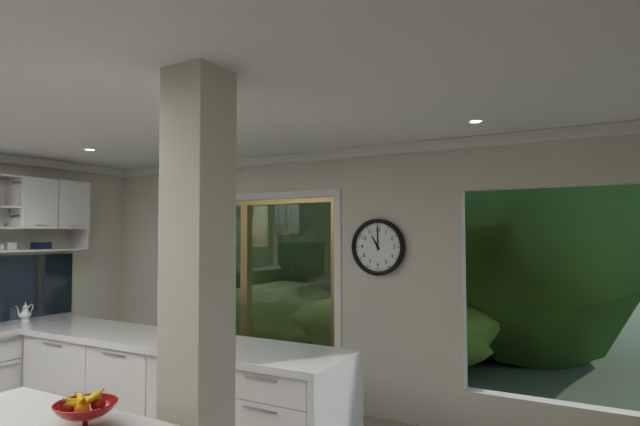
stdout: 11 h 00 min
